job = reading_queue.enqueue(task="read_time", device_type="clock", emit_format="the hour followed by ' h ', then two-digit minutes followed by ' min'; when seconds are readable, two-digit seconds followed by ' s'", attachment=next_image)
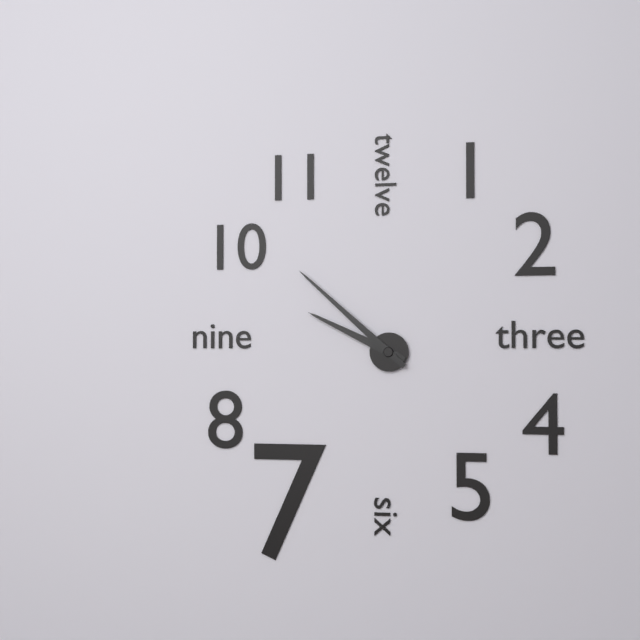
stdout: 9 h 52 min
